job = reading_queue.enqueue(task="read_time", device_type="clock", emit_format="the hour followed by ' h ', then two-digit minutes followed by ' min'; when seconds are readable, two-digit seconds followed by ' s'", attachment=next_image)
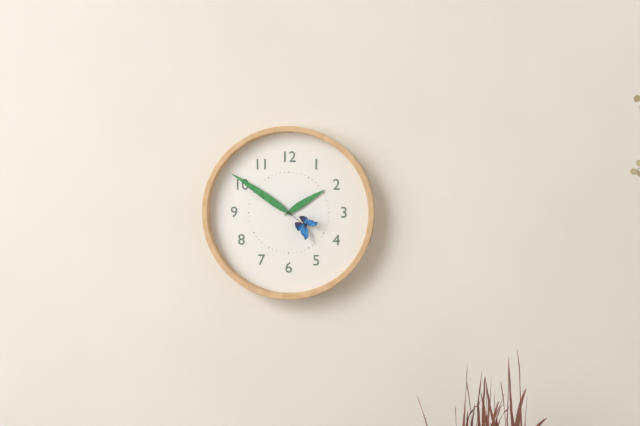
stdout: 1 h 51 min
